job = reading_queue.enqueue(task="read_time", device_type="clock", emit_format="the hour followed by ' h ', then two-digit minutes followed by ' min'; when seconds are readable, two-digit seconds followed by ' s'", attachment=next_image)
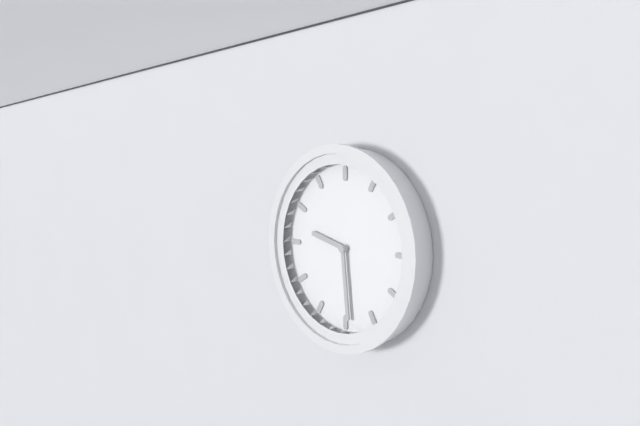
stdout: 9 h 29 min
